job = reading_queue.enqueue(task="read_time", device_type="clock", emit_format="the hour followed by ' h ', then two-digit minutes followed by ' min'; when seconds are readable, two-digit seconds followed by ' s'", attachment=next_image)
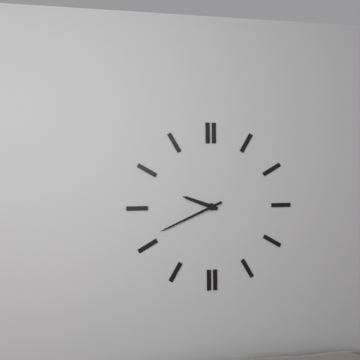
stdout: 9 h 41 min
